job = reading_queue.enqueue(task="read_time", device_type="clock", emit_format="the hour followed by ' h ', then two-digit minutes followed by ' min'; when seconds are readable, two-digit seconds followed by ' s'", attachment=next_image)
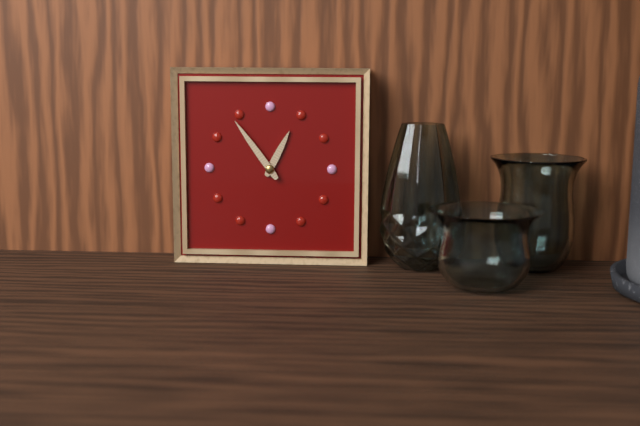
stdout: 12 h 54 min
